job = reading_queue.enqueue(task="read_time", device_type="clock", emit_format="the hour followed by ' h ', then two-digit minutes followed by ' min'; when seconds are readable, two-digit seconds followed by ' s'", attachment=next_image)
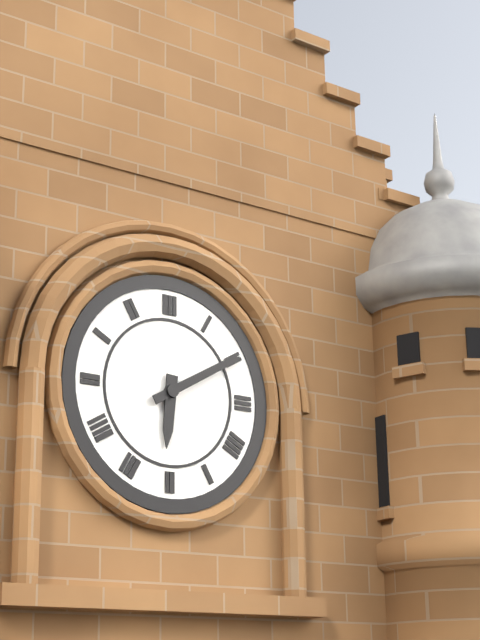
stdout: 6 h 10 min
